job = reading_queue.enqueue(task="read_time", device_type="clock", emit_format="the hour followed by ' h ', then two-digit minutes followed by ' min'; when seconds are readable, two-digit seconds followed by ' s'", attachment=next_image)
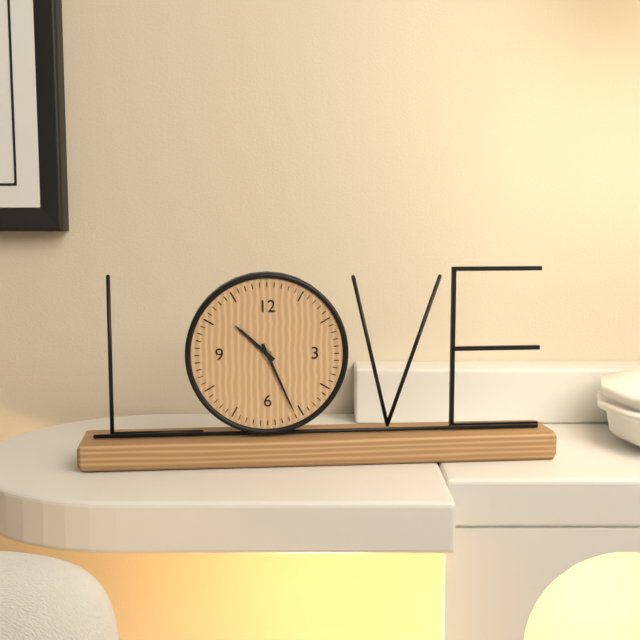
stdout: 10 h 26 min
